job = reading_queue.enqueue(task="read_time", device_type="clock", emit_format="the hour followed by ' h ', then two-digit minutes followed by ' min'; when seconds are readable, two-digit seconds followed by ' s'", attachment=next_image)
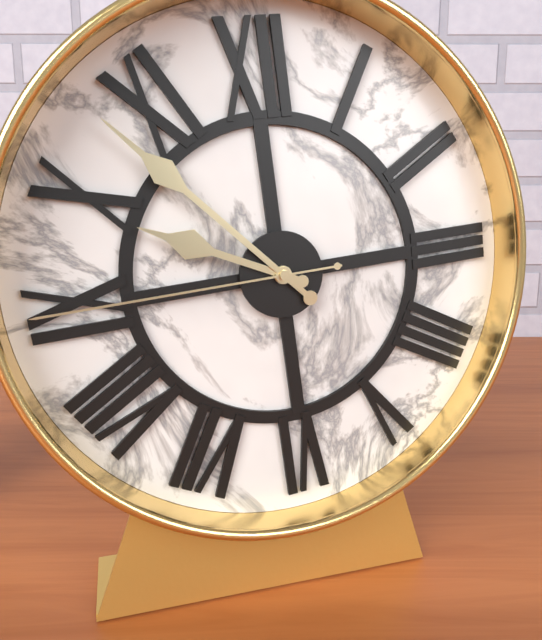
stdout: 9 h 53 min 45 s
